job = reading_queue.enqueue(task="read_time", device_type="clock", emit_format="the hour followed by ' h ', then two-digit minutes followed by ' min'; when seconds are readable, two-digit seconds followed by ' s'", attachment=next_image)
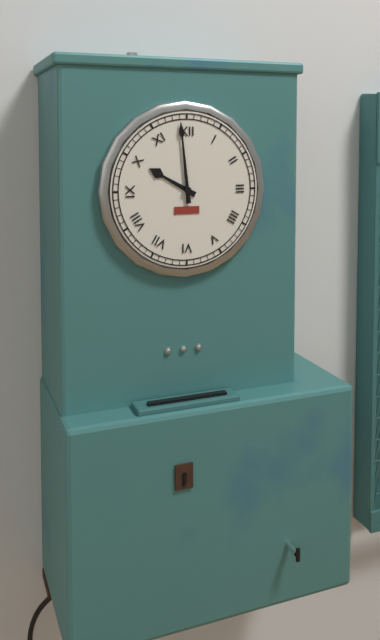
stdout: 9 h 59 min
